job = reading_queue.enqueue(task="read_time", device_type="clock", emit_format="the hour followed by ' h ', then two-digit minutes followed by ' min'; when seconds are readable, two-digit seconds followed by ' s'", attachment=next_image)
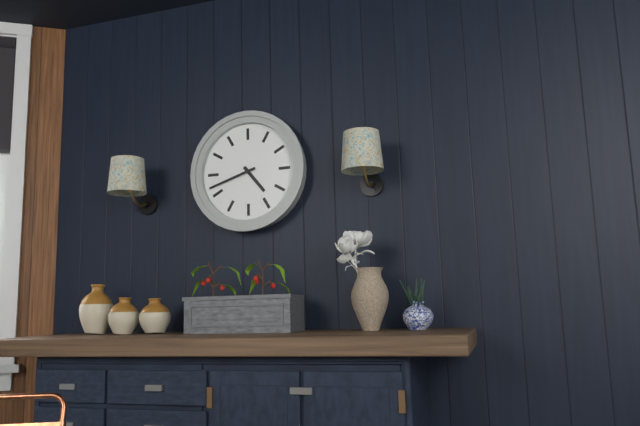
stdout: 4 h 42 min
